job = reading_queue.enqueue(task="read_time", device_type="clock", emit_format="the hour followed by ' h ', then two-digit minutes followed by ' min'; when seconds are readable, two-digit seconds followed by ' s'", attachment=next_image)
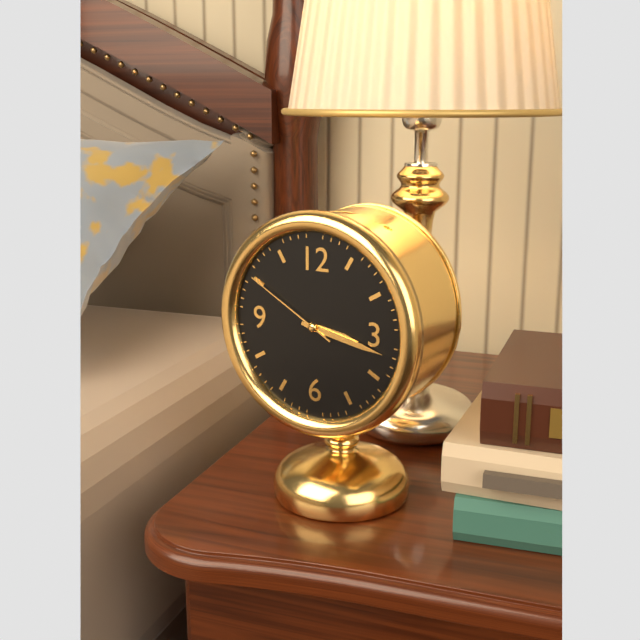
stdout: 3 h 17 min 50 s
